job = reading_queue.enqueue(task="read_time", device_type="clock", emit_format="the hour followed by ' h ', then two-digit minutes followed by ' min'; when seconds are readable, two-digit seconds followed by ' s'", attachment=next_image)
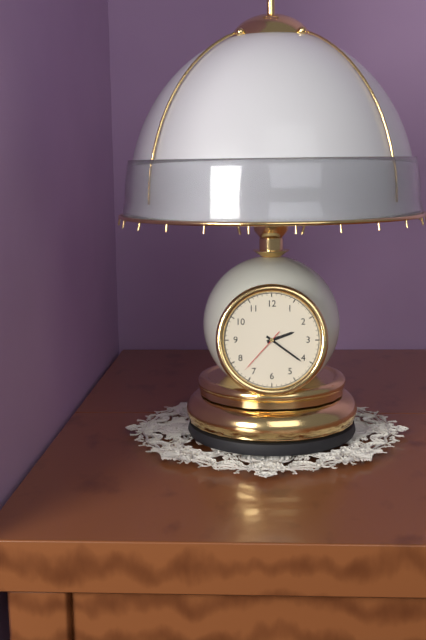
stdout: 2 h 21 min 37 s
